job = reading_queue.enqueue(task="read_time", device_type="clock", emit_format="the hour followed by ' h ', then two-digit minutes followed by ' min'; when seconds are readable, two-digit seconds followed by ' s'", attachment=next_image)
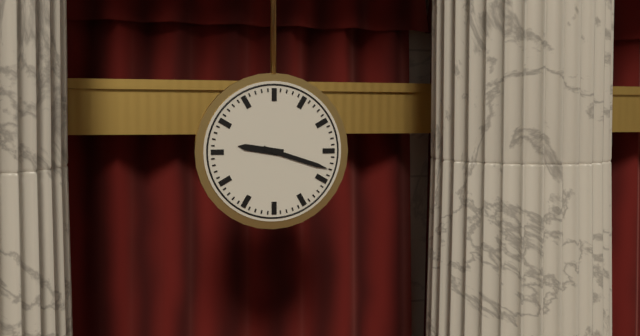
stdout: 9 h 18 min
